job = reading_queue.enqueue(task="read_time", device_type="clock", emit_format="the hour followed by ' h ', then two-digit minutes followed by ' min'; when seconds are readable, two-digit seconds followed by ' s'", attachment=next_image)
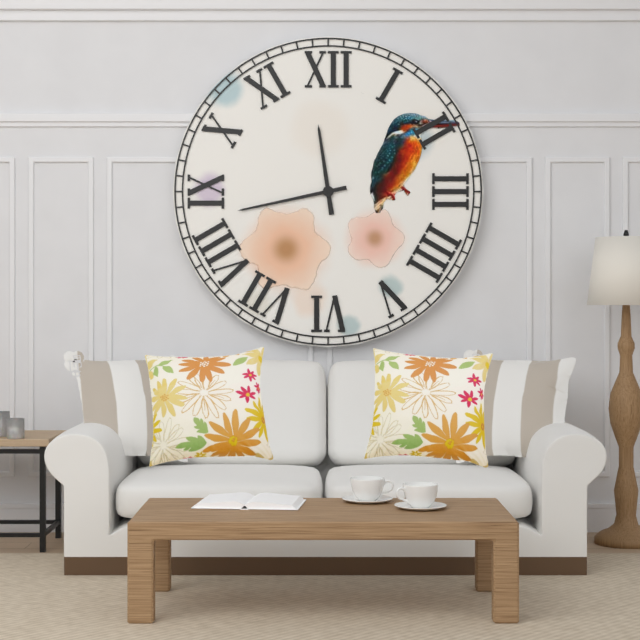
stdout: 11 h 43 min
